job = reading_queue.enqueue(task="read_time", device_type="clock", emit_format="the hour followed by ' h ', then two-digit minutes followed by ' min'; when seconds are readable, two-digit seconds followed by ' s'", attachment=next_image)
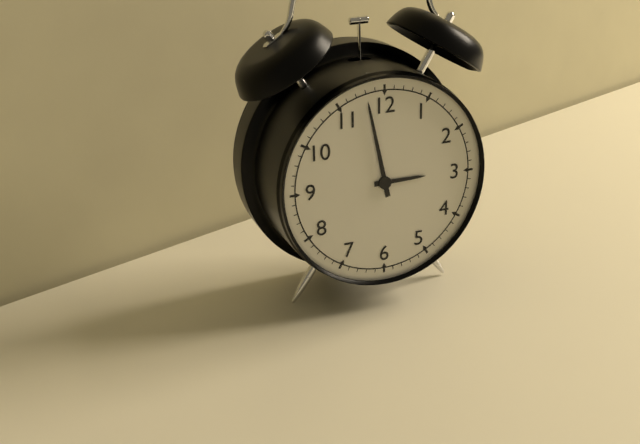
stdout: 2 h 58 min
